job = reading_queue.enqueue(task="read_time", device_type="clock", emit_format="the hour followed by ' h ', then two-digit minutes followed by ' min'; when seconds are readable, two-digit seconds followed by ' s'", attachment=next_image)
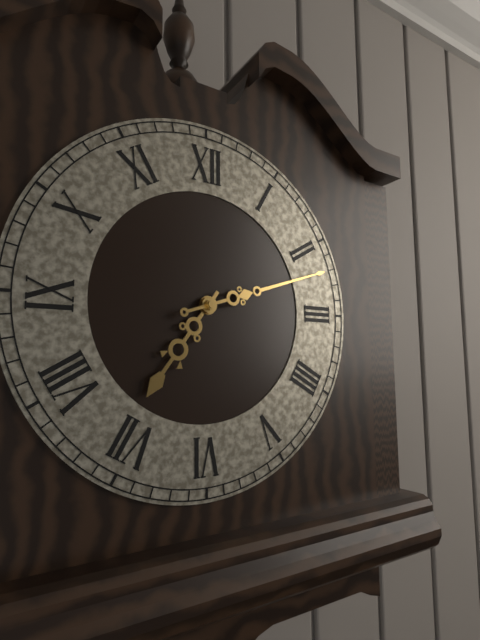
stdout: 7 h 12 min
